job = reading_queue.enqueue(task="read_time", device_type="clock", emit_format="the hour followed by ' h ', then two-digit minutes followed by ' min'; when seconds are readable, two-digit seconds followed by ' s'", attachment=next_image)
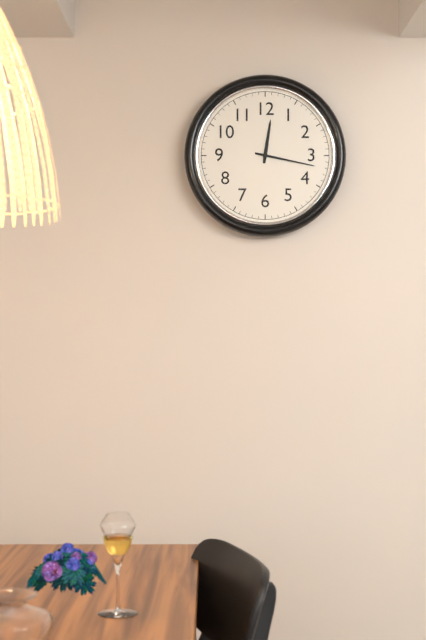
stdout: 12 h 17 min
